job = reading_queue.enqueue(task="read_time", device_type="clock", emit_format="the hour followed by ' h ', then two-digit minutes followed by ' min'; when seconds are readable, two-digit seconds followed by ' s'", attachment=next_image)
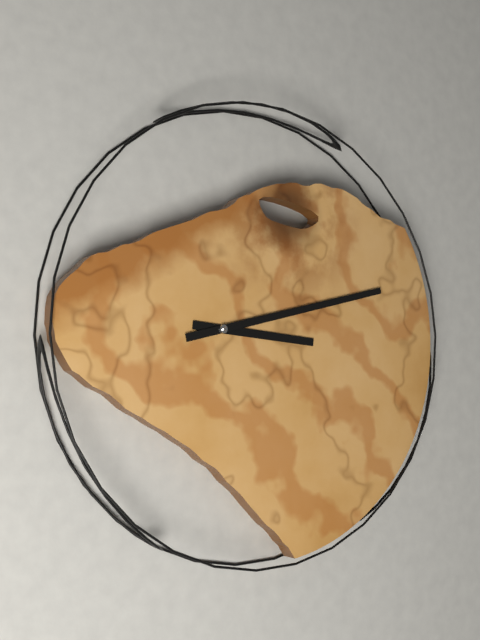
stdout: 3 h 13 min
